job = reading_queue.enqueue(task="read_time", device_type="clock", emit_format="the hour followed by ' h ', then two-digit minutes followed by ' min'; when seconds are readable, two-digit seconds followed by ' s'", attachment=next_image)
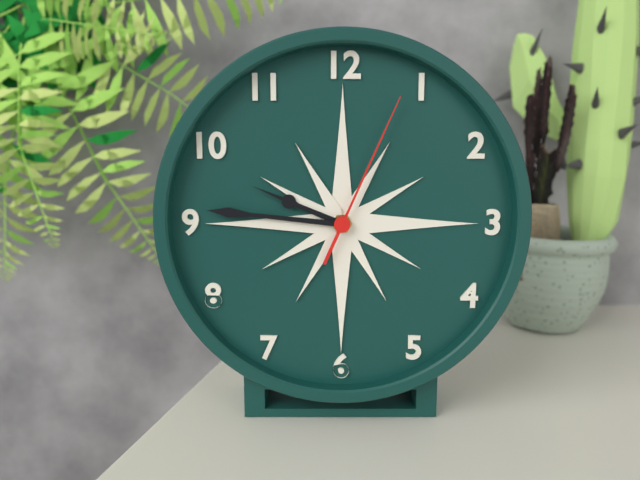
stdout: 9 h 46 min 04 s
